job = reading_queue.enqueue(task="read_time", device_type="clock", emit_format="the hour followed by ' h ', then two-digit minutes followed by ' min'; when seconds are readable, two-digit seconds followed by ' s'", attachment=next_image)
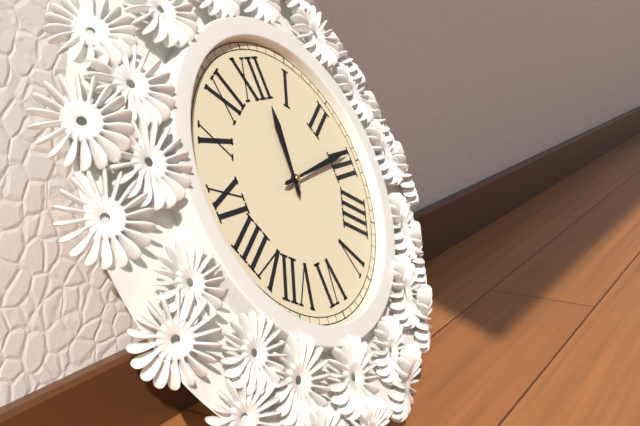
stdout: 12 h 14 min
